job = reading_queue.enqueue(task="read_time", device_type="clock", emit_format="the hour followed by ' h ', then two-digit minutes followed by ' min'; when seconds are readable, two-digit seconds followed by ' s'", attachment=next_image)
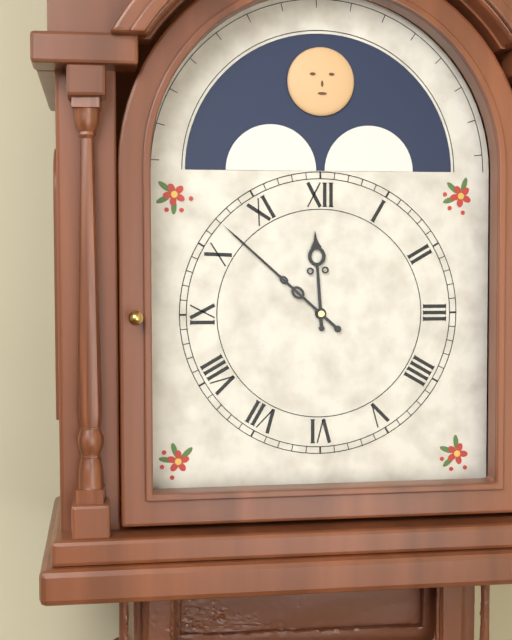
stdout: 11 h 52 min
